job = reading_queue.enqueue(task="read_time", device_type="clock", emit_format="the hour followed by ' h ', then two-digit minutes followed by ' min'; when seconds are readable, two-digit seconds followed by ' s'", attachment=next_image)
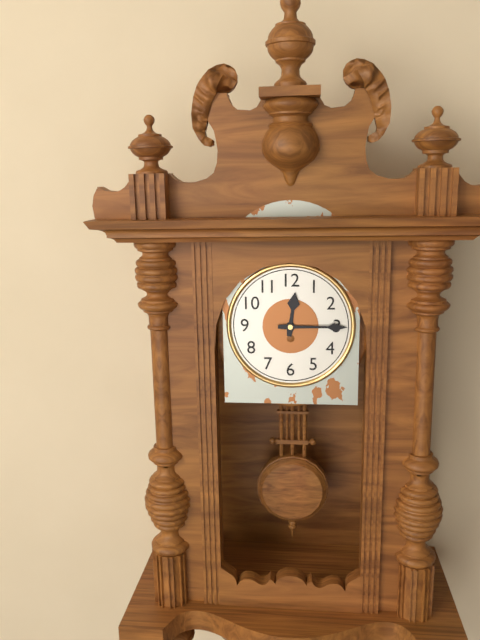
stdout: 12 h 15 min
